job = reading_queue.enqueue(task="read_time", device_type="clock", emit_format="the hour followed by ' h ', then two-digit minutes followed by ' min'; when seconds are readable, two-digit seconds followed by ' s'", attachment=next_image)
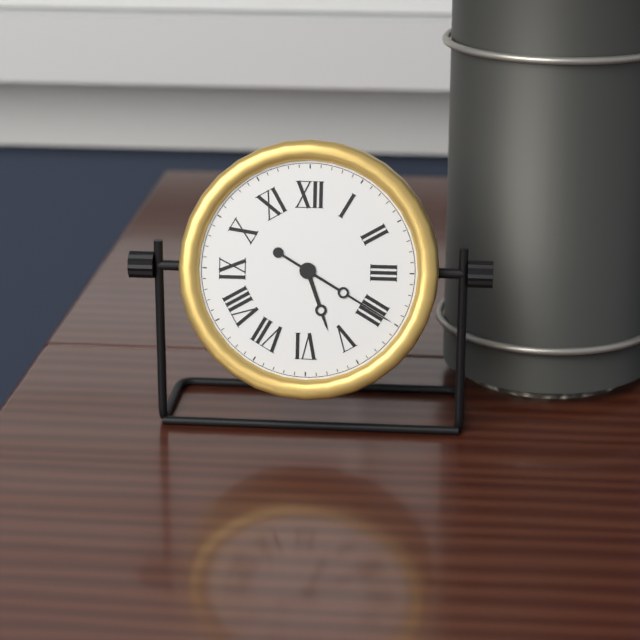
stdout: 5 h 20 min
